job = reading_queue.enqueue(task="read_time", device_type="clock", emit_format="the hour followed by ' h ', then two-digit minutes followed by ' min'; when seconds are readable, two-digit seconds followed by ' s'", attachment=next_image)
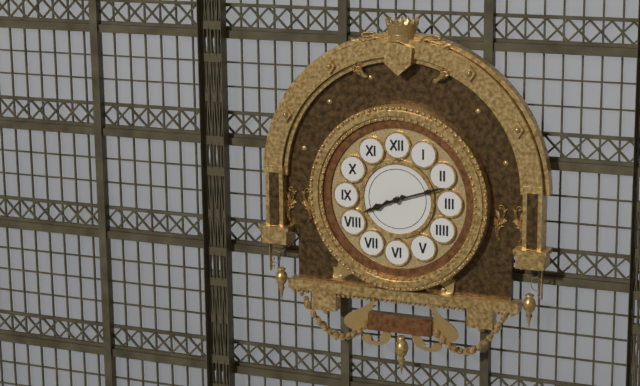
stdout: 8 h 12 min
